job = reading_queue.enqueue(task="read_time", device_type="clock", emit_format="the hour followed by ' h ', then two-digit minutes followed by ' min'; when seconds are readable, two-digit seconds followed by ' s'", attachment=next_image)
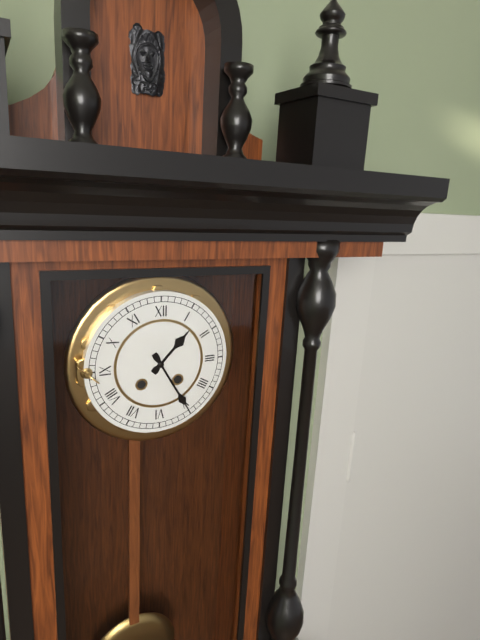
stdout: 1 h 25 min
